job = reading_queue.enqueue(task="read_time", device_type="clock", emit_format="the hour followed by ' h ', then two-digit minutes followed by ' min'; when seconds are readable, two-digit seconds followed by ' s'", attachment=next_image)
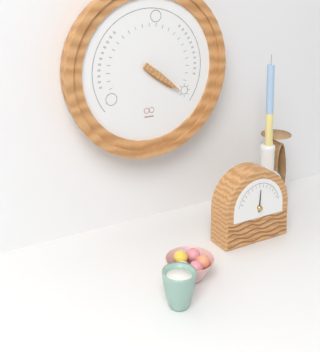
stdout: 4 h 21 min
